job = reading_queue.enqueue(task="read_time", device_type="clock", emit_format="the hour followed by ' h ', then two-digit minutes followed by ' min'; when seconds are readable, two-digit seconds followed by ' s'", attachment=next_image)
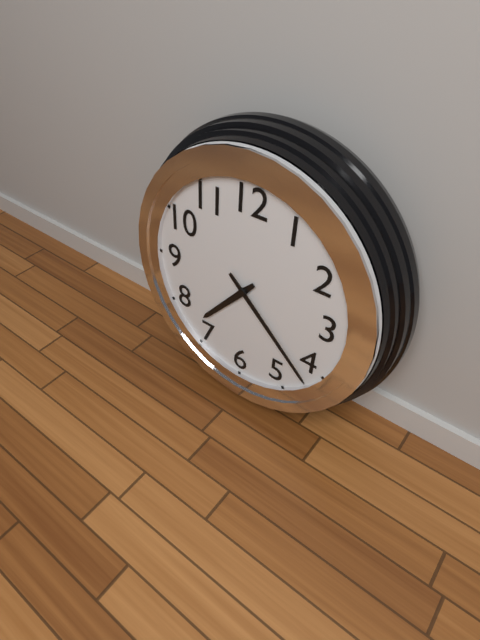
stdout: 7 h 22 min
